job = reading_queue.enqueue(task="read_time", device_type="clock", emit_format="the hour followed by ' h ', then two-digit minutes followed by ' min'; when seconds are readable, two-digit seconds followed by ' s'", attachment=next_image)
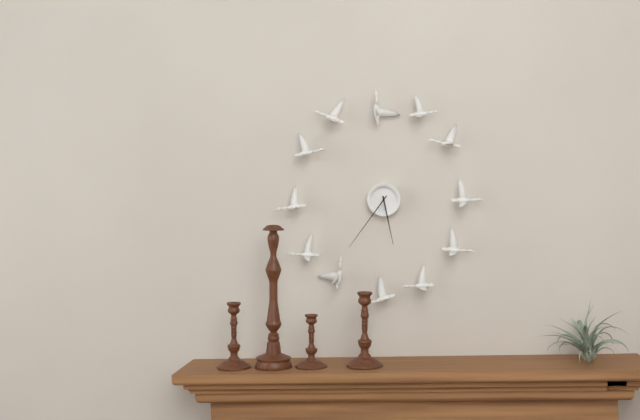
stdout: 5 h 36 min
